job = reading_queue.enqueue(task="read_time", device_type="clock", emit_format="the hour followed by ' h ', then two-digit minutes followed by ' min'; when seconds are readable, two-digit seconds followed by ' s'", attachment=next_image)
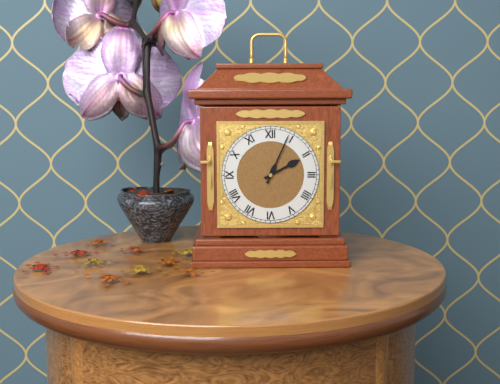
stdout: 2 h 04 min
